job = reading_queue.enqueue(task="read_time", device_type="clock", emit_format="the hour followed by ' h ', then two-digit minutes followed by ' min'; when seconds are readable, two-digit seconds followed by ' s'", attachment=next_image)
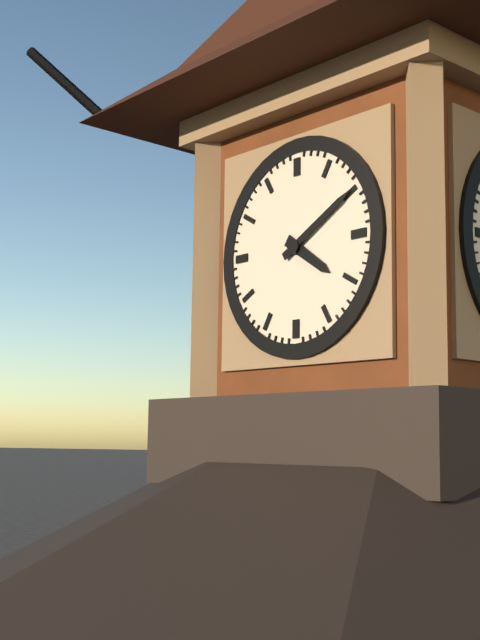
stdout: 4 h 10 min
